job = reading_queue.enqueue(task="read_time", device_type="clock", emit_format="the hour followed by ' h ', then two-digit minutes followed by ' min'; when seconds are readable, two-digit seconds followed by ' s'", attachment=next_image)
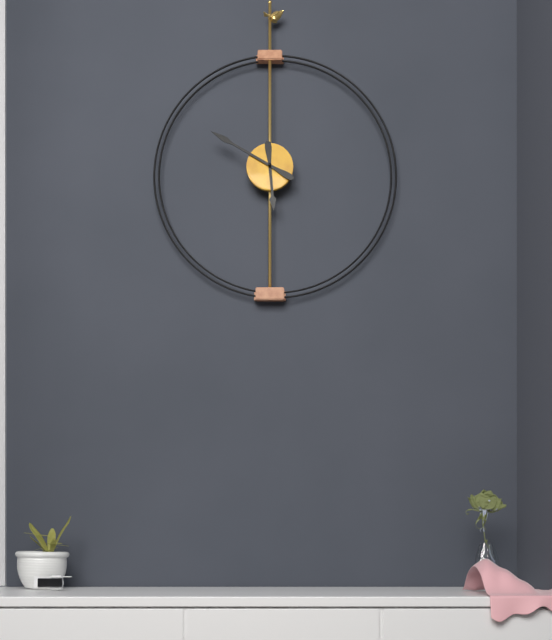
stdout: 5 h 50 min
